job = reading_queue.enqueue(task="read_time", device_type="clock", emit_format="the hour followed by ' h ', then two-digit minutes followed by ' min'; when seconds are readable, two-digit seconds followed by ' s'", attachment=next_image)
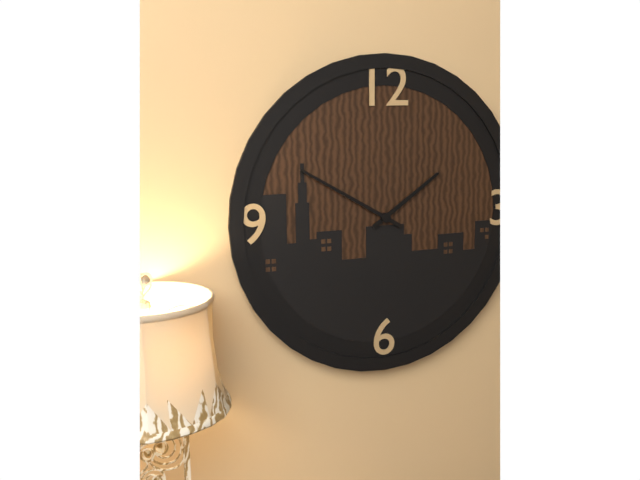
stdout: 1 h 50 min
